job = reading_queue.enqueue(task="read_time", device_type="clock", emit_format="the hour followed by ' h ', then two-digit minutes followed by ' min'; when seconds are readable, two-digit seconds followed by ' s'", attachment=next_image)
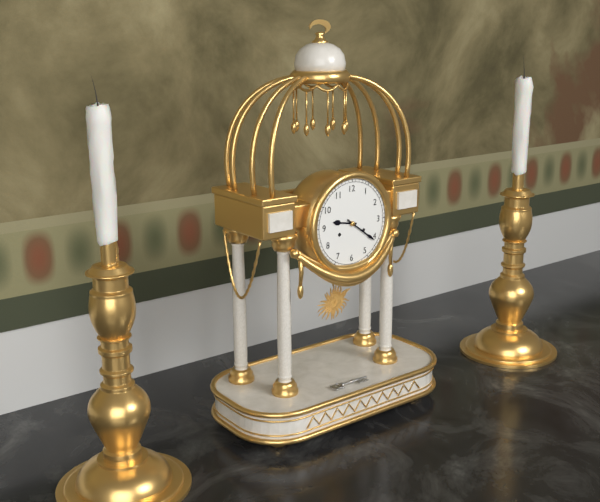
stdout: 9 h 21 min
